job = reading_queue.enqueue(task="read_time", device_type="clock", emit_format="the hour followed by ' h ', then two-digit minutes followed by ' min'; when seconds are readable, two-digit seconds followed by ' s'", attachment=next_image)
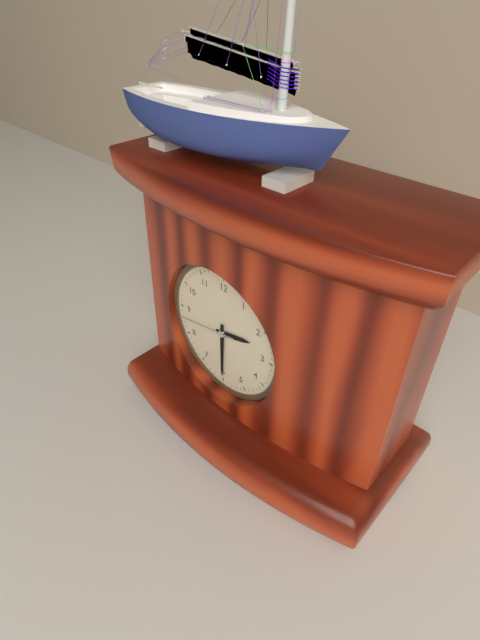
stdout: 2 h 30 min 43 s
